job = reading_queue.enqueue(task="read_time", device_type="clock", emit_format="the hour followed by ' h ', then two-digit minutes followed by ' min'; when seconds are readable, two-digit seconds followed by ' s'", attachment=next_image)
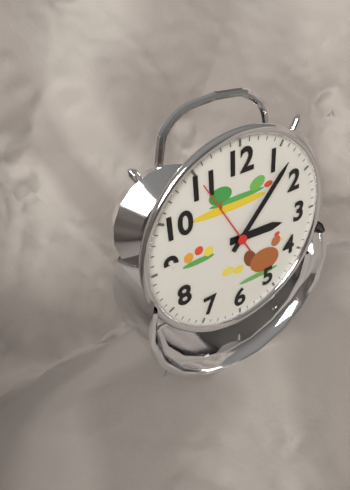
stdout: 3 h 07 min 55 s
